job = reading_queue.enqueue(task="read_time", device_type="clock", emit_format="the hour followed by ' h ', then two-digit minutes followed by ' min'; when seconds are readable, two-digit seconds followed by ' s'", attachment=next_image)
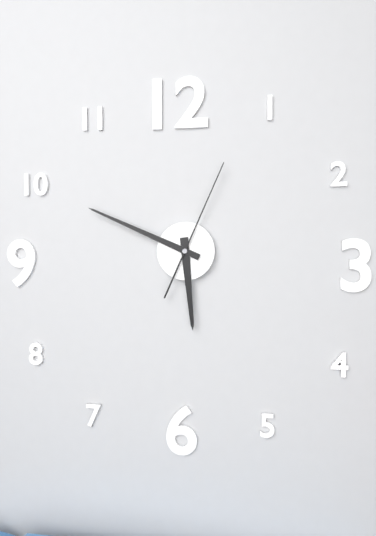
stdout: 5 h 49 min 04 s
